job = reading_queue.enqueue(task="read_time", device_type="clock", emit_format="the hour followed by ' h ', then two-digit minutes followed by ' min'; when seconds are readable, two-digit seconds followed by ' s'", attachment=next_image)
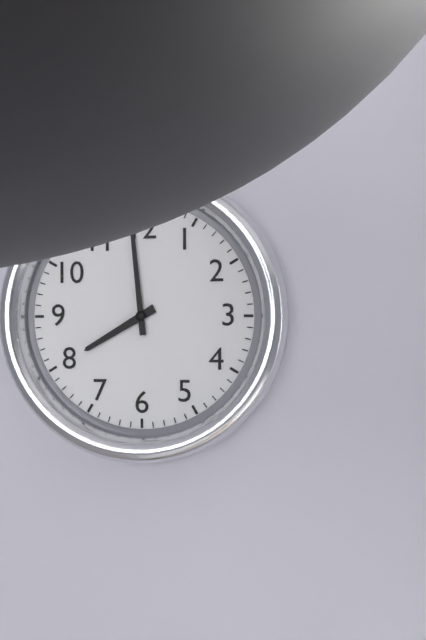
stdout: 7 h 59 min
